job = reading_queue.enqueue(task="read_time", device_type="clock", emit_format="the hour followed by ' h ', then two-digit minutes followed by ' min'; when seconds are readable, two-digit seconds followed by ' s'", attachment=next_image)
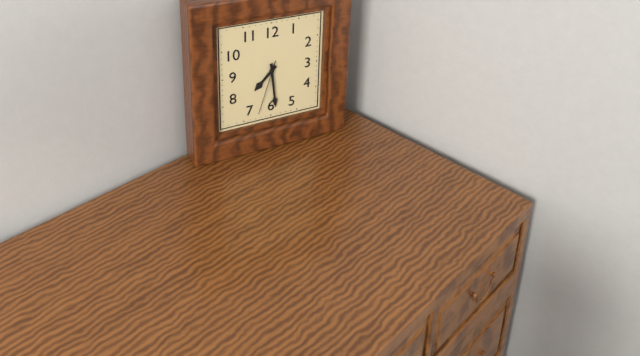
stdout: 7 h 29 min 33 s
